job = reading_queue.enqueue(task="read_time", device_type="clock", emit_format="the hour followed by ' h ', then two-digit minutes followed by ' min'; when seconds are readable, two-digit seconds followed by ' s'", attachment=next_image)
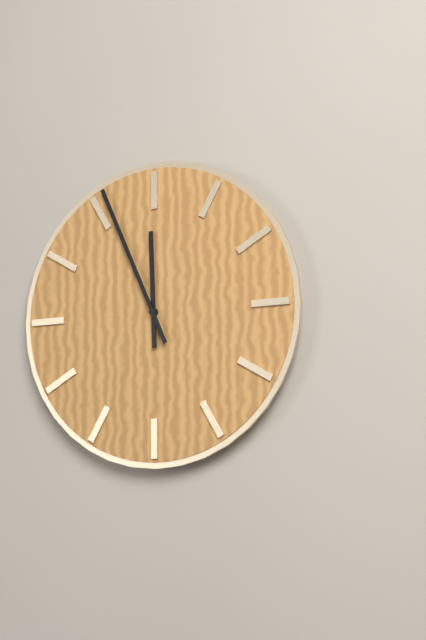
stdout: 11 h 56 min
